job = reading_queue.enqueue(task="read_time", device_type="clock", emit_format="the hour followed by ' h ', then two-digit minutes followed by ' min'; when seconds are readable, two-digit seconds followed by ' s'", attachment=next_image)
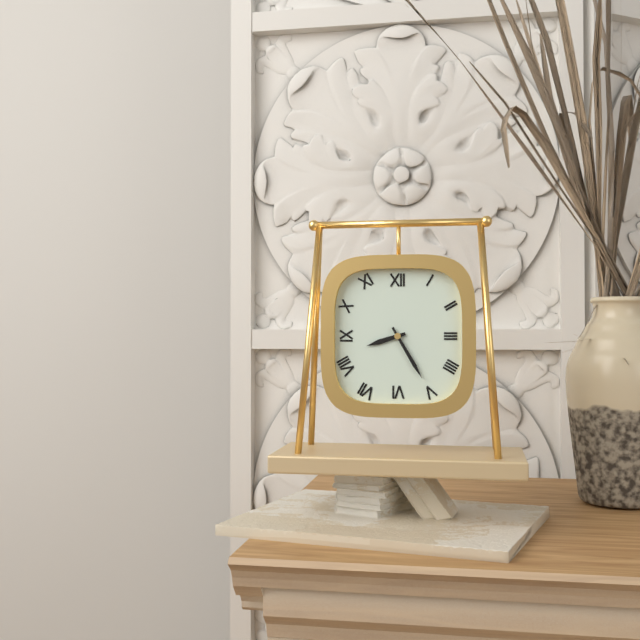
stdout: 8 h 25 min
